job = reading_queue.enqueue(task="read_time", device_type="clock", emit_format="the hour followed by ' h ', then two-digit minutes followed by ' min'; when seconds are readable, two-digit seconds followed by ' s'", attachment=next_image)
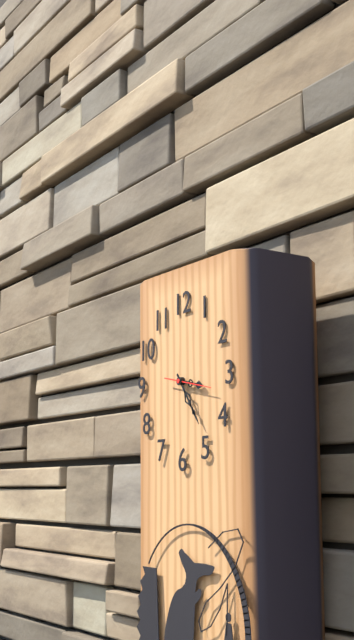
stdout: 3 h 24 min
